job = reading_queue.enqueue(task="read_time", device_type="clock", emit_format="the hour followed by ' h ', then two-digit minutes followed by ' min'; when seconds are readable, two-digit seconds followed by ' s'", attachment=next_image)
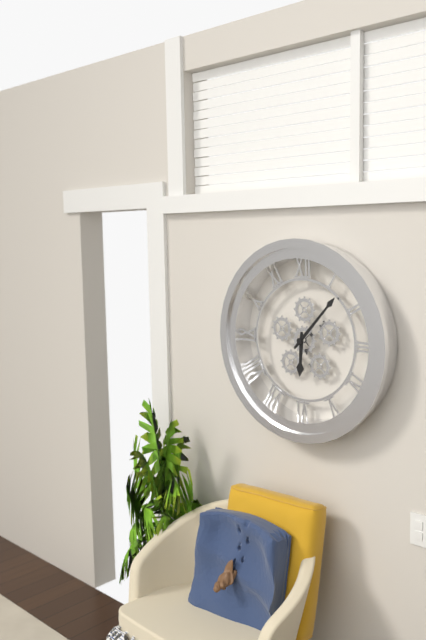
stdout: 6 h 07 min
